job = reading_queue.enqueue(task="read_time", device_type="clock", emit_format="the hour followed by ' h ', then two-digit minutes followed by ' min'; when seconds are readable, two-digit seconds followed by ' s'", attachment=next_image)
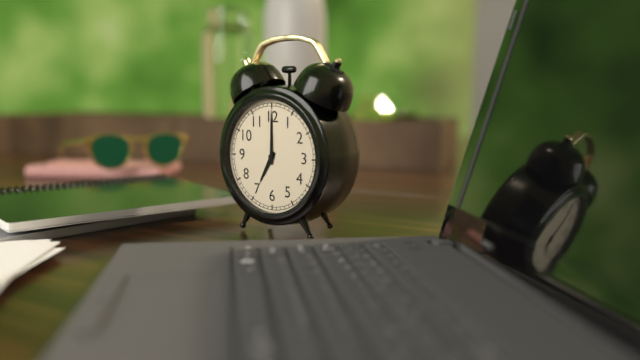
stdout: 7 h 00 min
